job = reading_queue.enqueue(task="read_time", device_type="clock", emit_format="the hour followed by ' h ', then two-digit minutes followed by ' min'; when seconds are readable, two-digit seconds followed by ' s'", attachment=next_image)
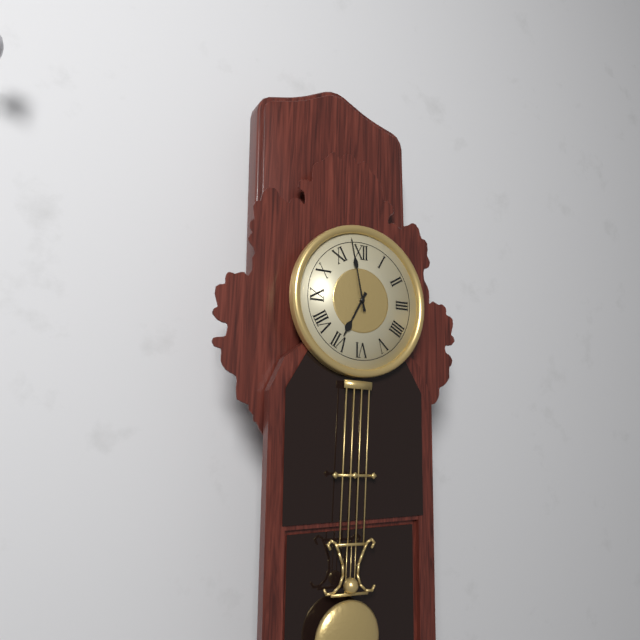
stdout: 6 h 58 min
